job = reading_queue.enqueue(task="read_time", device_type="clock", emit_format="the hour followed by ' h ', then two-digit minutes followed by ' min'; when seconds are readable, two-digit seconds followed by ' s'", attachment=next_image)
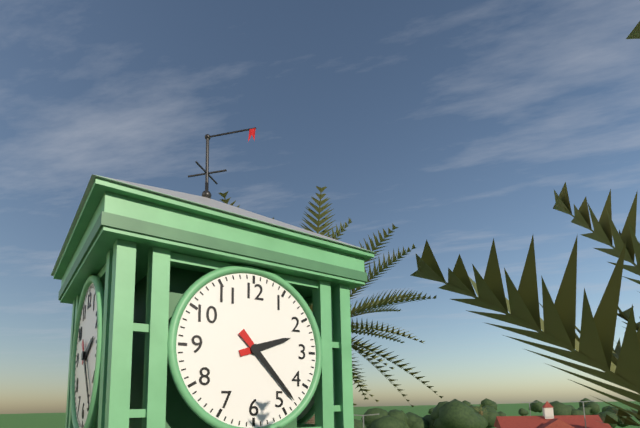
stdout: 2 h 23 min
